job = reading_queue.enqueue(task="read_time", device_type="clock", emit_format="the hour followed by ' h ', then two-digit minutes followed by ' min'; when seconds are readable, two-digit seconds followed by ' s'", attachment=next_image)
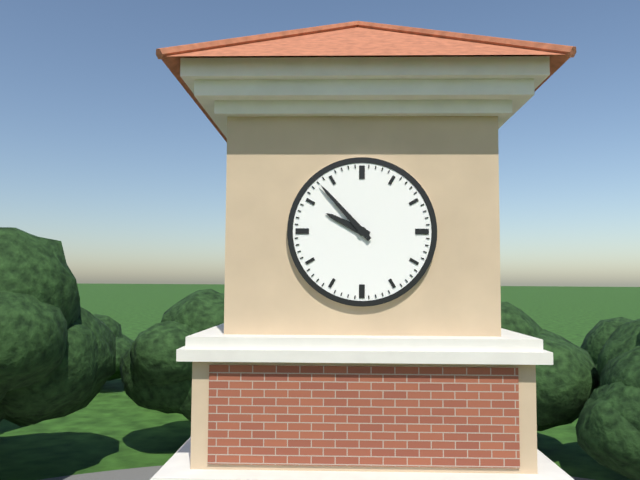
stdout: 9 h 53 min
